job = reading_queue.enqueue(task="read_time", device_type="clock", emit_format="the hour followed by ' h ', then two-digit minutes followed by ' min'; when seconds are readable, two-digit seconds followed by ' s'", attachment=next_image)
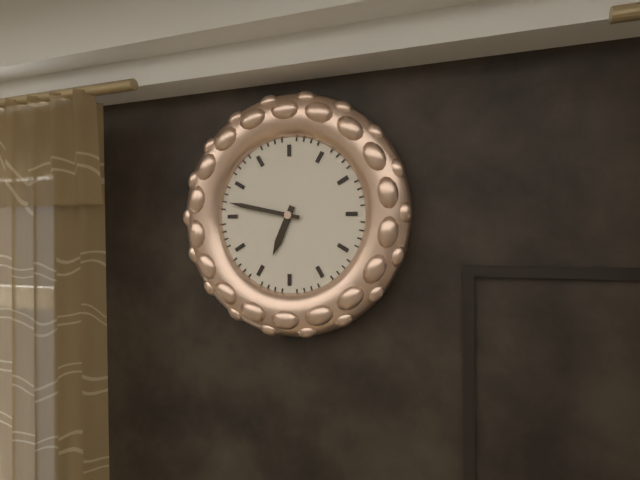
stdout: 6 h 47 min
